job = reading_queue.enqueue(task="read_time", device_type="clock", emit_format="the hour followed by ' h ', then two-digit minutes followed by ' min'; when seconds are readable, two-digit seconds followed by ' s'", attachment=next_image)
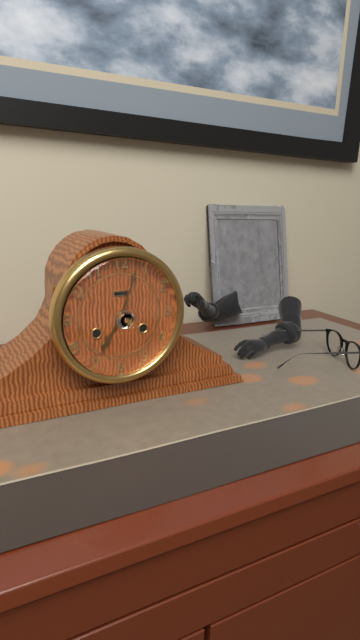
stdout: 7 h 03 min
